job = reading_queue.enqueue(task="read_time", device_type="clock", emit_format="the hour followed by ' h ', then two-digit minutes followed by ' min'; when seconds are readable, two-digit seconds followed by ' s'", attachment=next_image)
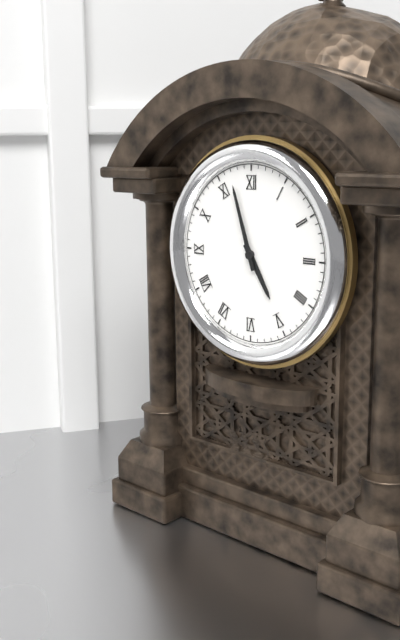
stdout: 4 h 57 min
